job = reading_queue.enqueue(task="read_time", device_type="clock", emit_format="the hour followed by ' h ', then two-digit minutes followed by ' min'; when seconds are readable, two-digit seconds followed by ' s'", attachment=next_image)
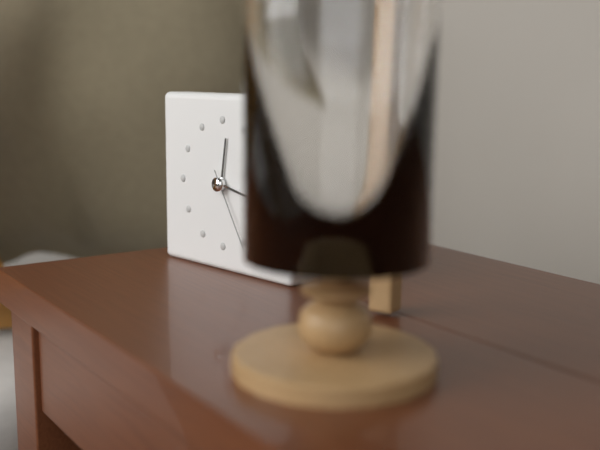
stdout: 12 h 17 min 25 s
